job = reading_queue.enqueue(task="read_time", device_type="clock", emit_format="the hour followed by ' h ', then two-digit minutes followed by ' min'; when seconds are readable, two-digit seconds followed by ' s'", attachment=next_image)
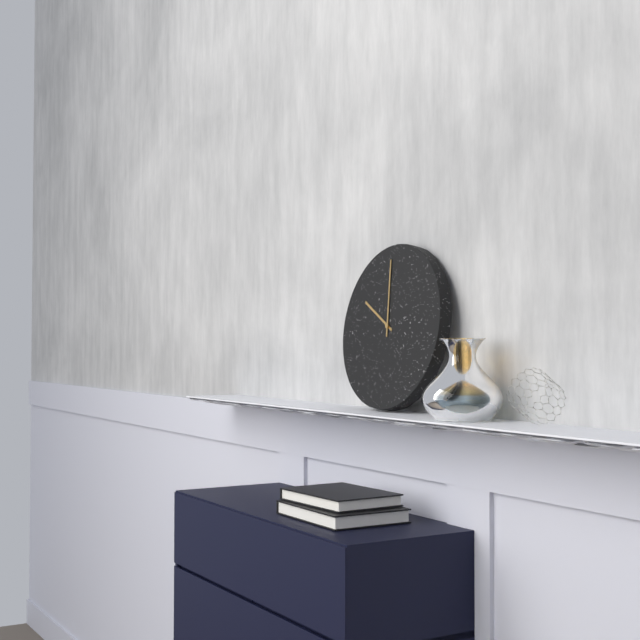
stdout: 9 h 59 min
